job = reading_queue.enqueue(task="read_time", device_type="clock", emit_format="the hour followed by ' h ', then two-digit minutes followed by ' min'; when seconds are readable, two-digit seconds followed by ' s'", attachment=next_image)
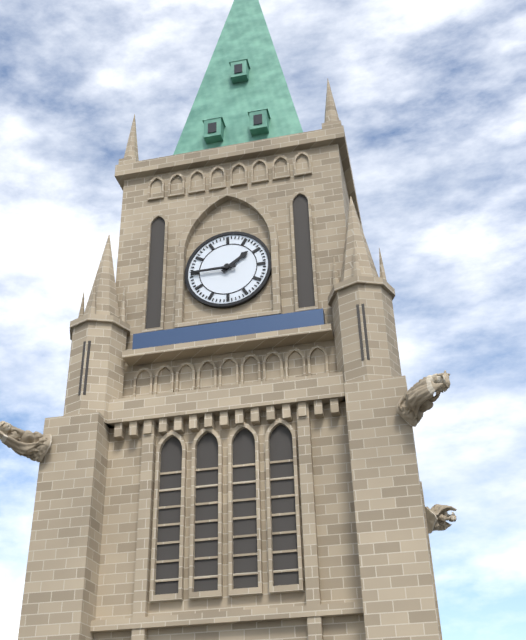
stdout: 1 h 45 min
